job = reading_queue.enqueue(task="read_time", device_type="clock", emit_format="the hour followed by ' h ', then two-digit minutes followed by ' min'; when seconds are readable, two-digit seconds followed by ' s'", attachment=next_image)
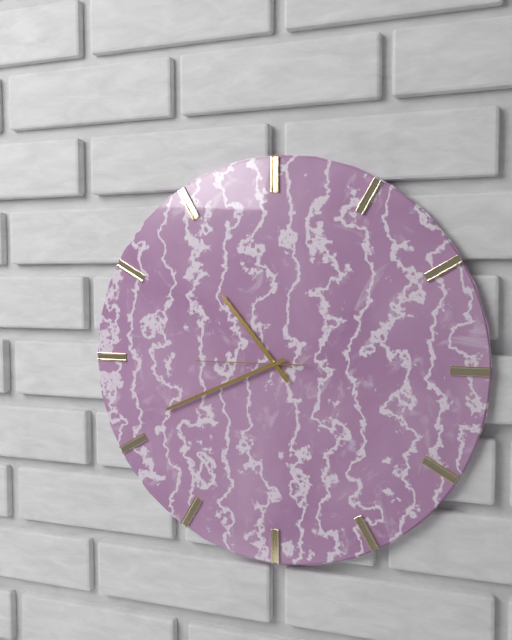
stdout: 10 h 41 min 45 s
